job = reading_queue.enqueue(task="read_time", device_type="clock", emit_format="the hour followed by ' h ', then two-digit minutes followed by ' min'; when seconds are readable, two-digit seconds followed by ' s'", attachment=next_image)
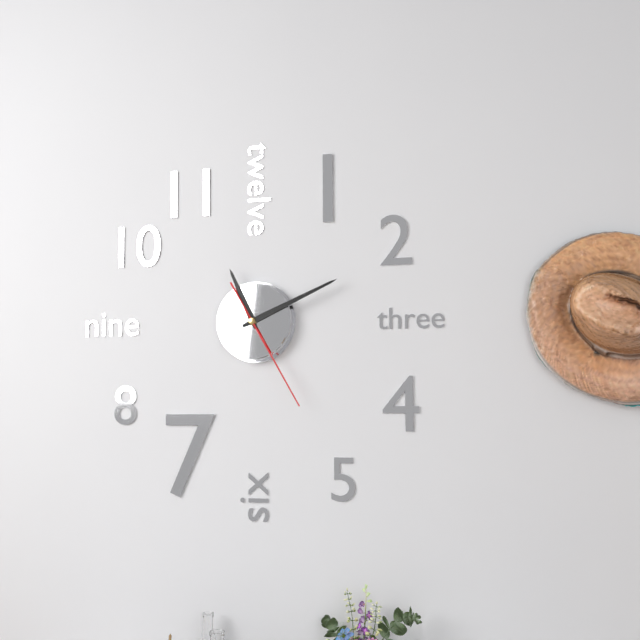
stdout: 11 h 11 min 25 s
